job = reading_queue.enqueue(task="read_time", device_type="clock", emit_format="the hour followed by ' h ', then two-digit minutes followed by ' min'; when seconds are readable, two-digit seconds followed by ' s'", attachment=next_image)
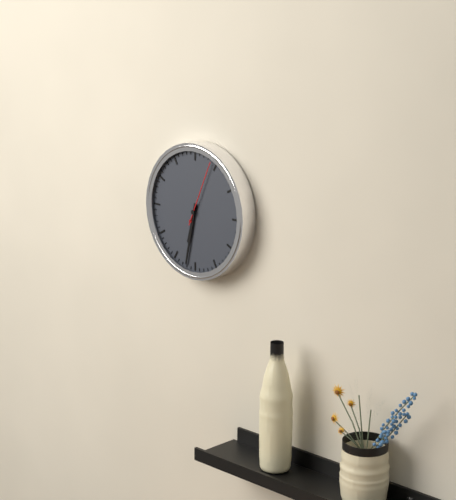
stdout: 6 h 32 min 04 s
